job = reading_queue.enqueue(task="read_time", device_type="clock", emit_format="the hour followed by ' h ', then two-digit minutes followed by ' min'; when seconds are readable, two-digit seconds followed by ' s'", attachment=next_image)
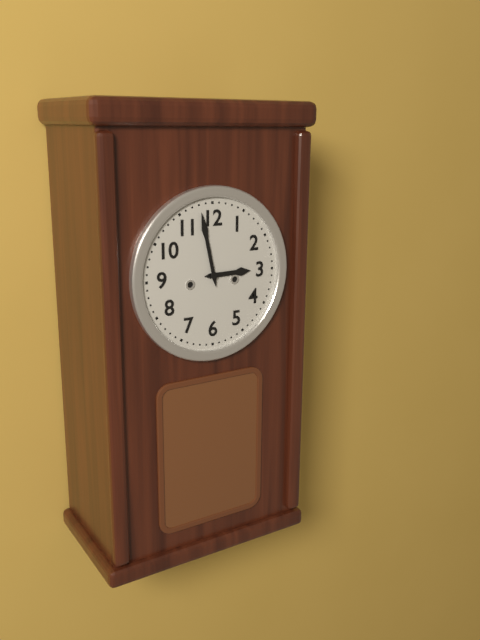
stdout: 2 h 58 min
